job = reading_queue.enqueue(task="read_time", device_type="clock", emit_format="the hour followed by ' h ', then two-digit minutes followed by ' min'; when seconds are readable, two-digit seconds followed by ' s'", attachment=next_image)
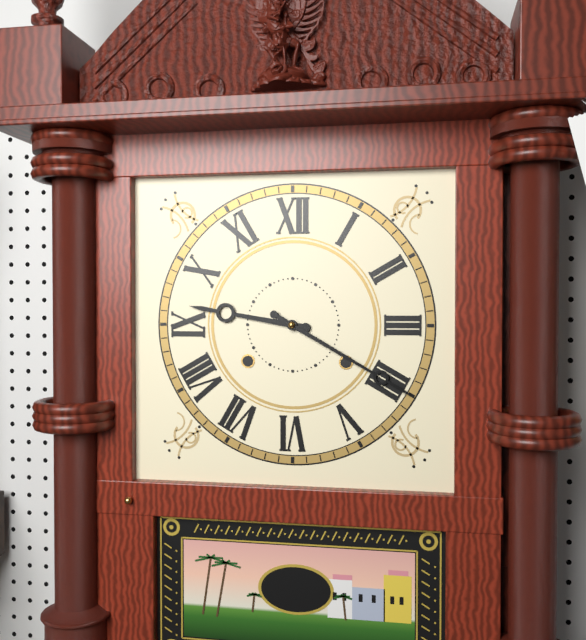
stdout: 9 h 20 min
